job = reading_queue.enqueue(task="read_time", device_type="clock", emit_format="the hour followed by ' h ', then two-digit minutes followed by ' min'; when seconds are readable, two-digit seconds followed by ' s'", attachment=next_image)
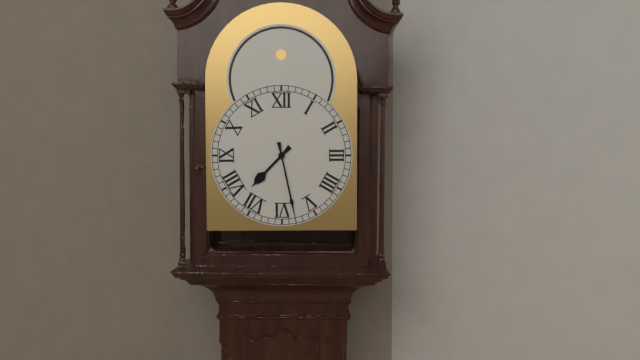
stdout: 7 h 28 min
